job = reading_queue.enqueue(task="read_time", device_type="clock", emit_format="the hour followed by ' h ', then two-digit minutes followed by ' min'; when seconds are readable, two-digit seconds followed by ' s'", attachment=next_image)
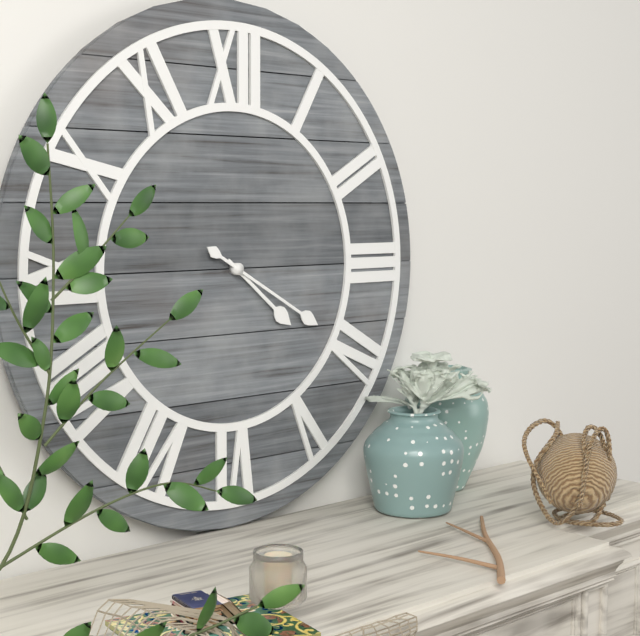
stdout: 4 h 20 min
